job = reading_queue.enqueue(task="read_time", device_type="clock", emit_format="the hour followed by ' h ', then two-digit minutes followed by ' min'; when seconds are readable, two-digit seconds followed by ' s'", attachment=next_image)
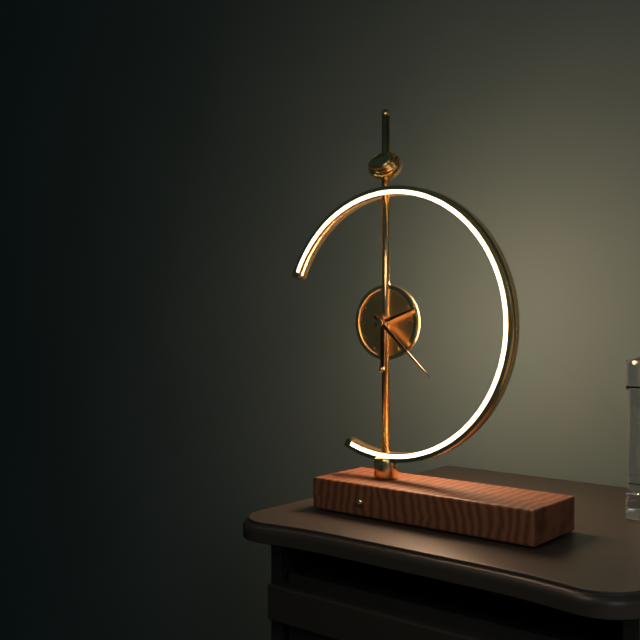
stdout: 2 h 22 min
